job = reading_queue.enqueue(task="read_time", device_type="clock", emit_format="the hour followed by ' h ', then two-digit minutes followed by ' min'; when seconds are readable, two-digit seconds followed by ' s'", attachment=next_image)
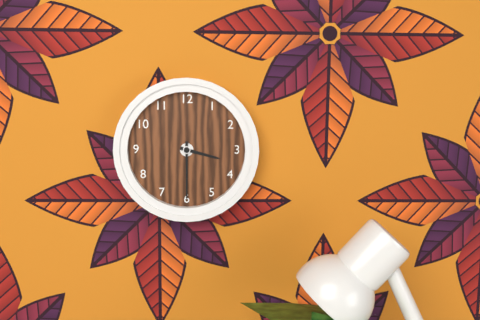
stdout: 3 h 30 min
